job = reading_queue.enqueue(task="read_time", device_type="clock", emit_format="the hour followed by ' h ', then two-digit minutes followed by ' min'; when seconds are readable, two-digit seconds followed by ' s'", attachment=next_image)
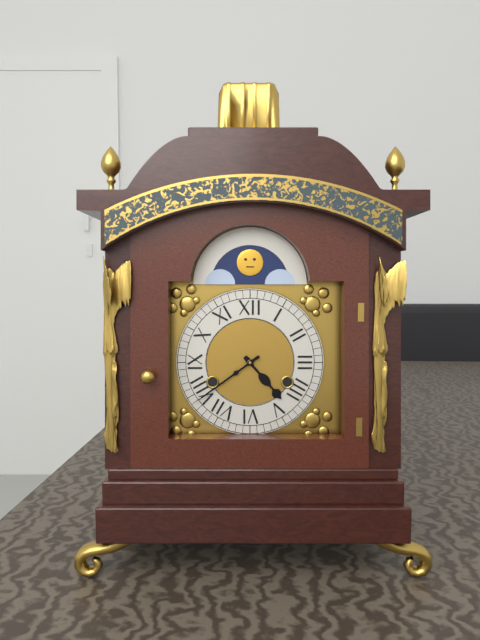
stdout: 4 h 39 min
